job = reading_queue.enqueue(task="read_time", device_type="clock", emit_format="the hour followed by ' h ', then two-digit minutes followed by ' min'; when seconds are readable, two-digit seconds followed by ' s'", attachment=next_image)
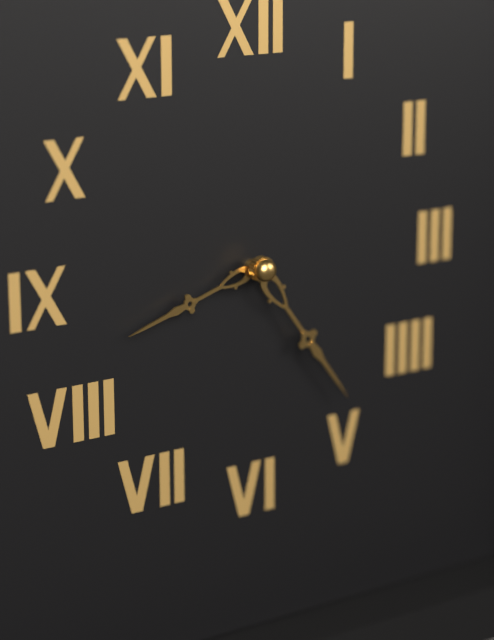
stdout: 8 h 24 min
